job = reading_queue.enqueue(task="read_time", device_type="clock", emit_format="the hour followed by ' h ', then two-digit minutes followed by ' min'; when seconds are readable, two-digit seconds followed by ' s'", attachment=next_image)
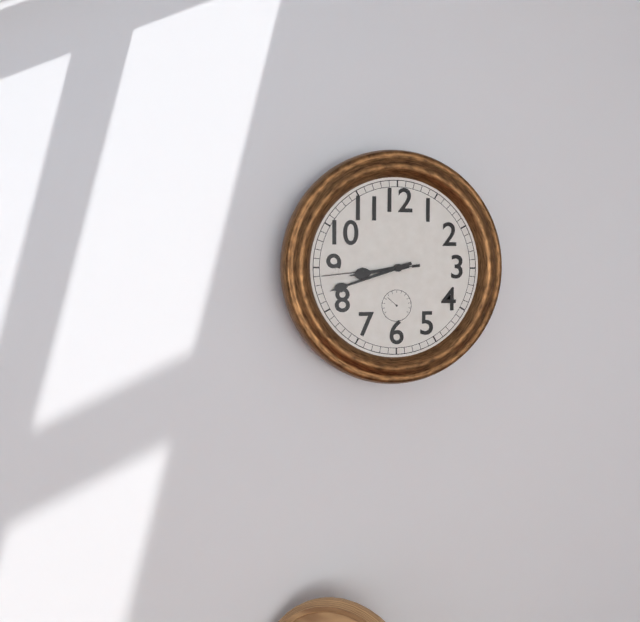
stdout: 8 h 42 min 44 s
